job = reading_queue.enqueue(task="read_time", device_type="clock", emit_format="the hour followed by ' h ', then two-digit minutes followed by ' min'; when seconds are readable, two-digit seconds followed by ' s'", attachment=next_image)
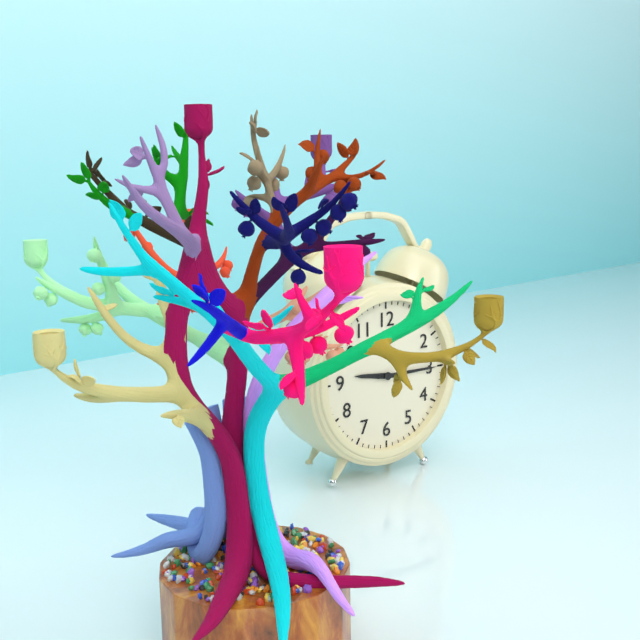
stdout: 9 h 15 min
